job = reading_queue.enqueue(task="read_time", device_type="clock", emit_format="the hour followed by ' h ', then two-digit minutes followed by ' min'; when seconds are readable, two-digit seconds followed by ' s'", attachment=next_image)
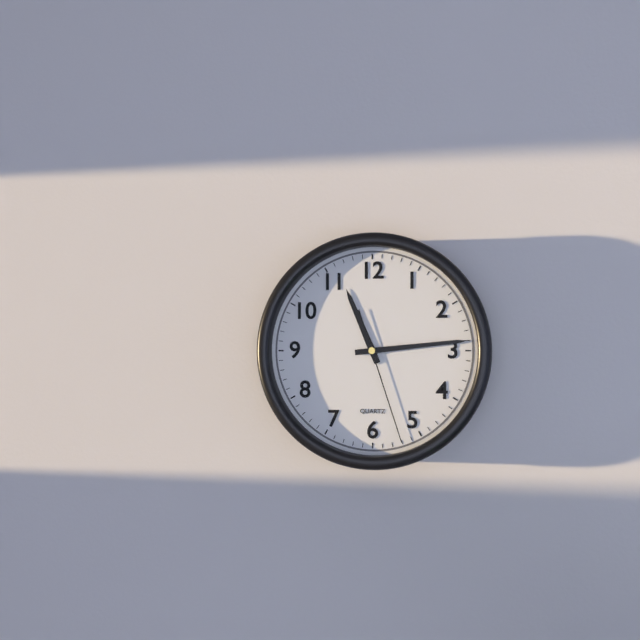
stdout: 11 h 14 min 27 s
